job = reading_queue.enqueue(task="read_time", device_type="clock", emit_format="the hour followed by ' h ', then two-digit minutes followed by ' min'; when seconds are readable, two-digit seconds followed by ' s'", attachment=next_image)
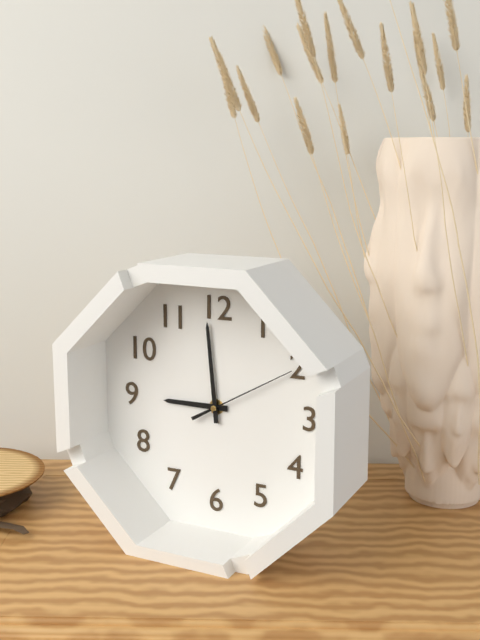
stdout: 8 h 59 min 10 s
